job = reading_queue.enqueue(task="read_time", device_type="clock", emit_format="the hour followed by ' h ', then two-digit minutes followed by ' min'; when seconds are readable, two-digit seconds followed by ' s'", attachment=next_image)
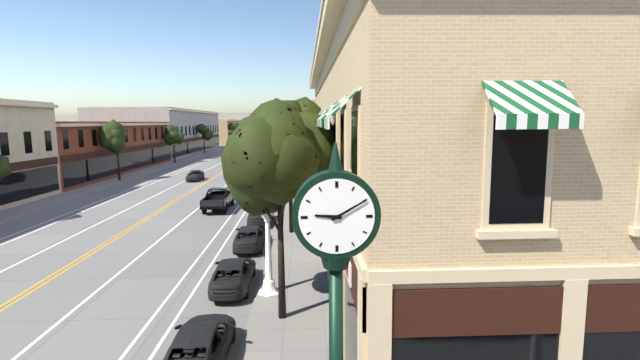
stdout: 9 h 10 min
